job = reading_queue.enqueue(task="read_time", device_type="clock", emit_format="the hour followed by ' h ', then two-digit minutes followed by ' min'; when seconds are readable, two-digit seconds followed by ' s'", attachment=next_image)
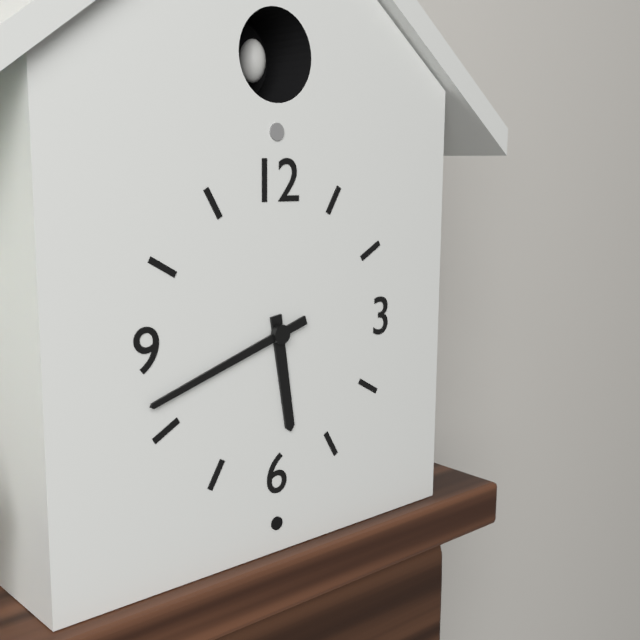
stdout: 5 h 42 min
